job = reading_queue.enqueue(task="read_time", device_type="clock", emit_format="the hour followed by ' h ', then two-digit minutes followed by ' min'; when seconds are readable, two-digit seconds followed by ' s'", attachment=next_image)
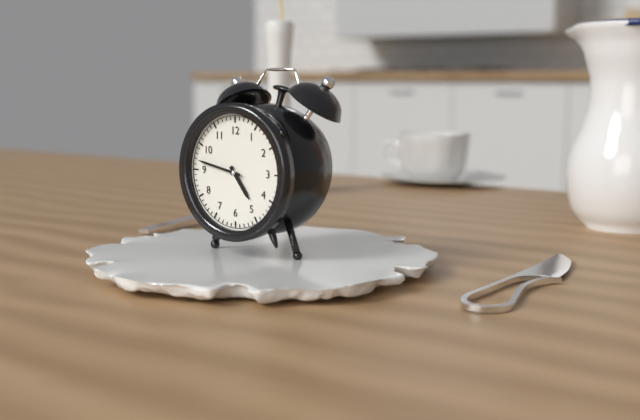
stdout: 4 h 47 min
